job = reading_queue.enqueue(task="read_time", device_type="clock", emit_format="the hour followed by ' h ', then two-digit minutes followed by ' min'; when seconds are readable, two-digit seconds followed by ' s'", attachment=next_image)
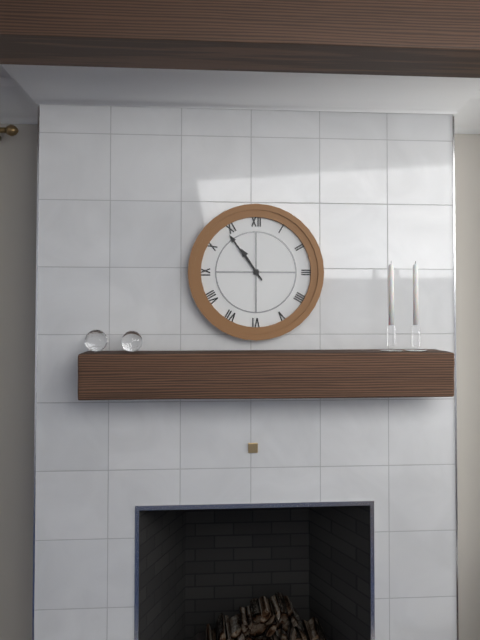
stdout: 10 h 54 min
